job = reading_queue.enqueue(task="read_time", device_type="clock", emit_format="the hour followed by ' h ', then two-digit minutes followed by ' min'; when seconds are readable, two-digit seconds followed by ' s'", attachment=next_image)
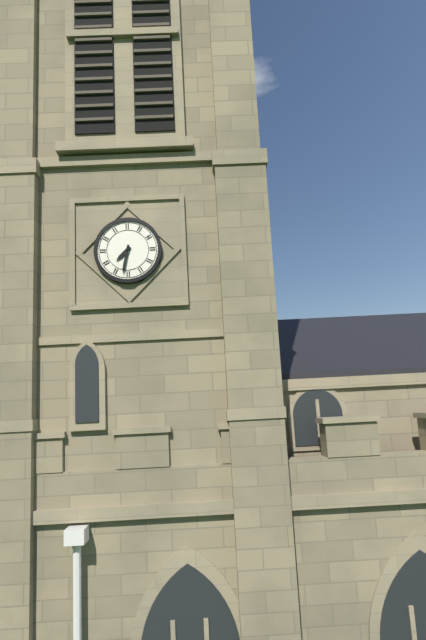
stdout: 7 h 32 min
